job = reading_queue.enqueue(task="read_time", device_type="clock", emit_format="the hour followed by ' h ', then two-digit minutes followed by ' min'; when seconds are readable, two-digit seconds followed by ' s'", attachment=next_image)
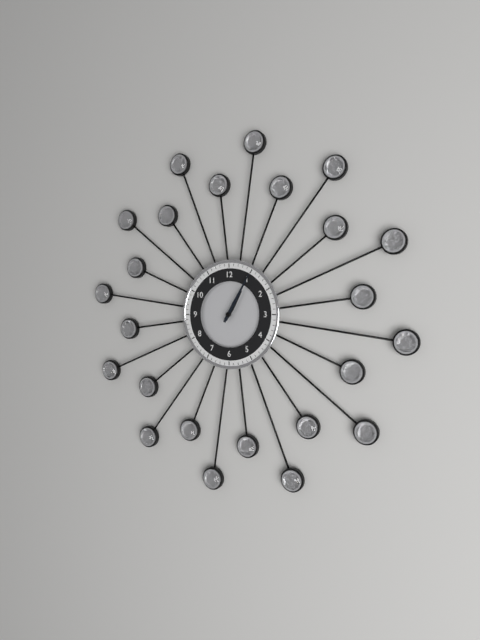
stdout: 1 h 05 min
